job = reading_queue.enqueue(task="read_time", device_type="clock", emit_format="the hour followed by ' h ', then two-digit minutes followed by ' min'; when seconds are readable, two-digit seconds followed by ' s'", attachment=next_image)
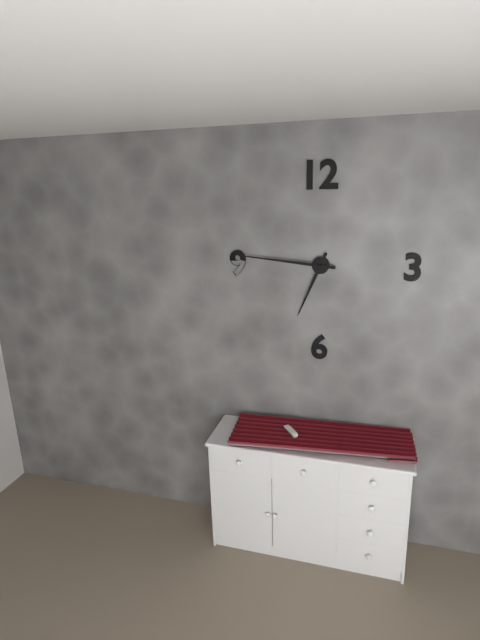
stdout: 6 h 46 min
